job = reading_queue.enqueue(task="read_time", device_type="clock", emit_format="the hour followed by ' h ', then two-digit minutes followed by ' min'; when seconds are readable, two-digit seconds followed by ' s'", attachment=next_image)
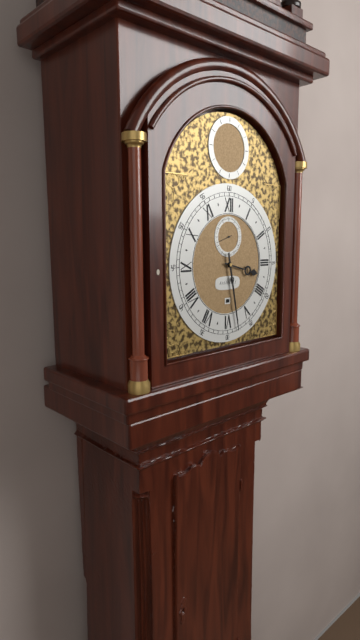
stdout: 3 h 28 min
